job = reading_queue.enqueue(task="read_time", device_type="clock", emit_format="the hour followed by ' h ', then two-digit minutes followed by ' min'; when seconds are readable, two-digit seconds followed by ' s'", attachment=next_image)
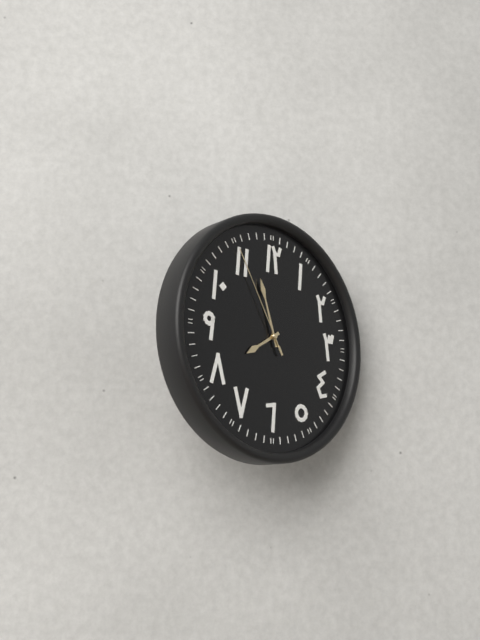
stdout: 7 h 57 min 55 s
